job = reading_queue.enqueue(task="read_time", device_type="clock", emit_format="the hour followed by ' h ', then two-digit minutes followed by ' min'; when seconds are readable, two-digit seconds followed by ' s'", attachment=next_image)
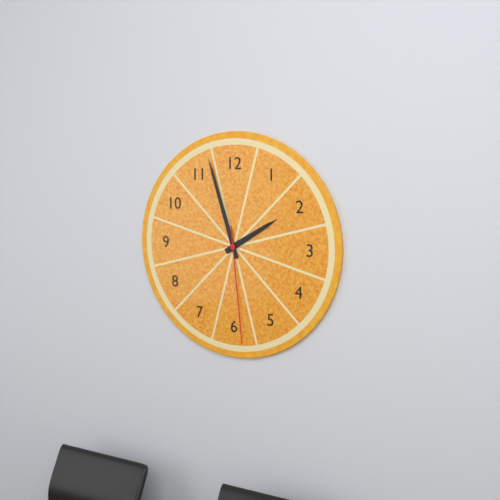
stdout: 1 h 57 min 29 s
